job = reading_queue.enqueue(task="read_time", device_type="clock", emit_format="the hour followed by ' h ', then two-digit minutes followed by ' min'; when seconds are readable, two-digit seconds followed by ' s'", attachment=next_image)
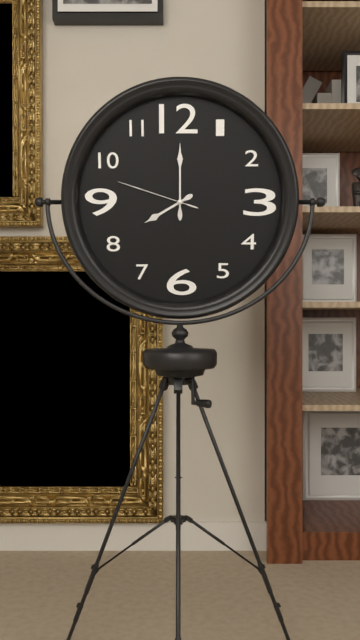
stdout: 8 h 00 min 48 s
